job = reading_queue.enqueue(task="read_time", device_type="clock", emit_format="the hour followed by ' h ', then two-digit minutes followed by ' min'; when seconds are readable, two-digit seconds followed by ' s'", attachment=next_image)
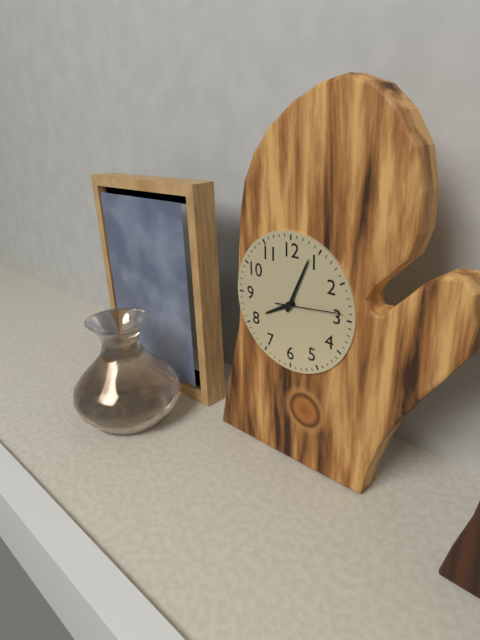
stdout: 8 h 04 min 14 s
